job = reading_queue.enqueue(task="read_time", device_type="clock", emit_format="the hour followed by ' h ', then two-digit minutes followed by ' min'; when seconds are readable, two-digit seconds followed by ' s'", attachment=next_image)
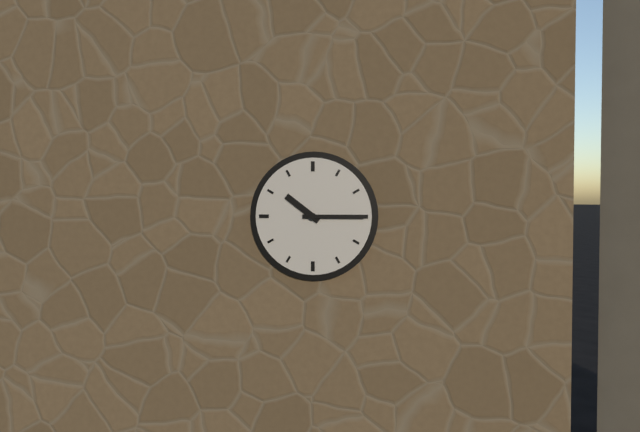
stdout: 10 h 15 min
